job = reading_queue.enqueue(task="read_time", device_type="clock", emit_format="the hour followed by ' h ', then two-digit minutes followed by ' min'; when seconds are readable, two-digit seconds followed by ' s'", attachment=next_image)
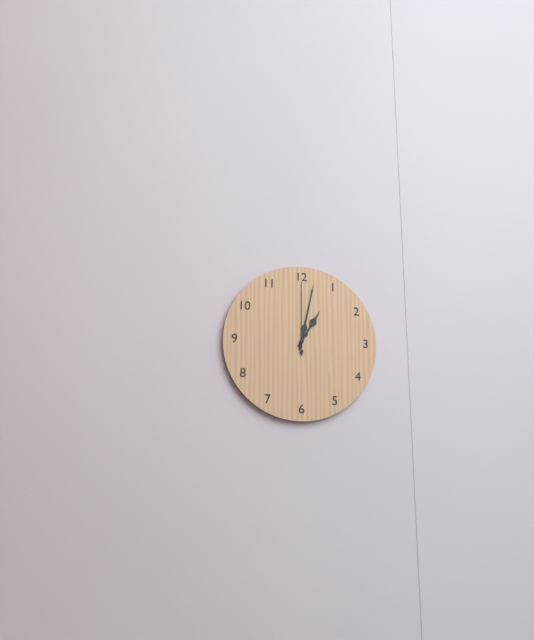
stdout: 1 h 02 min 00 s
